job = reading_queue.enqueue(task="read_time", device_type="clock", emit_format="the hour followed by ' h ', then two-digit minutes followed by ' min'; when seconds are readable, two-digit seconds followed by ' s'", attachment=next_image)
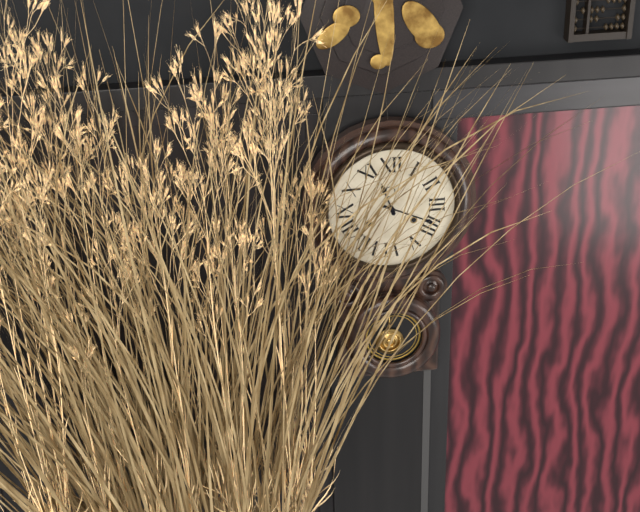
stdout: 11 h 19 min
